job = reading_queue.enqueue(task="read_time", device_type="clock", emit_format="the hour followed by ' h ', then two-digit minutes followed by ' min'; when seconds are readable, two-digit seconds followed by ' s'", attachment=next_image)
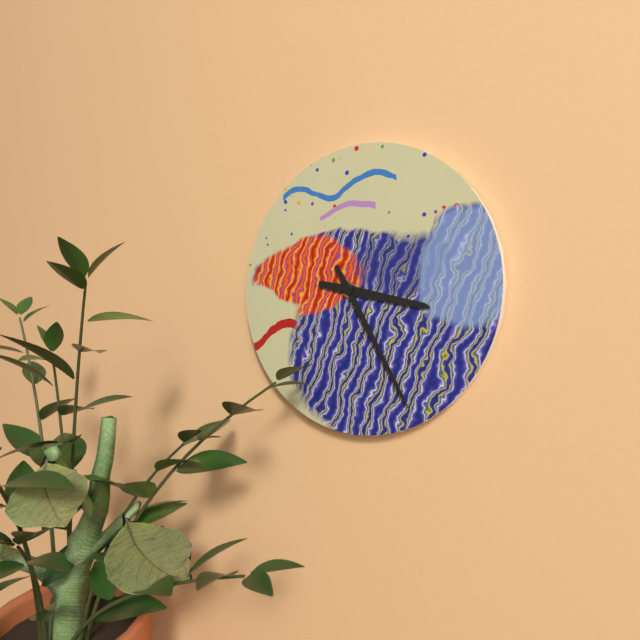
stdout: 3 h 25 min
